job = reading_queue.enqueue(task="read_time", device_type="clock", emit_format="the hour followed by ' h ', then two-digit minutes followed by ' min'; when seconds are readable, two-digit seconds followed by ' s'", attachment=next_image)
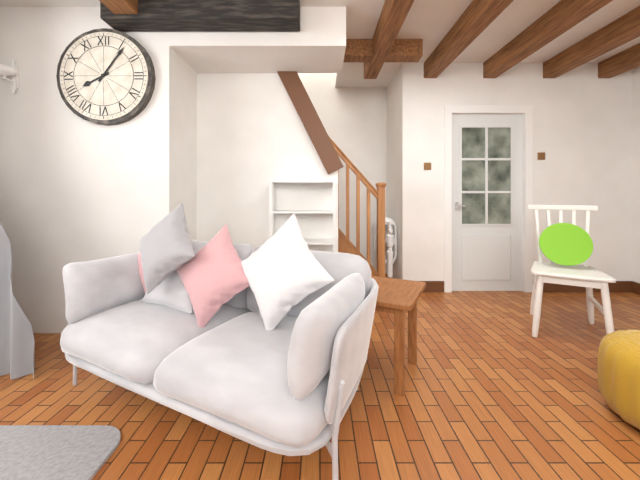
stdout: 8 h 06 min
